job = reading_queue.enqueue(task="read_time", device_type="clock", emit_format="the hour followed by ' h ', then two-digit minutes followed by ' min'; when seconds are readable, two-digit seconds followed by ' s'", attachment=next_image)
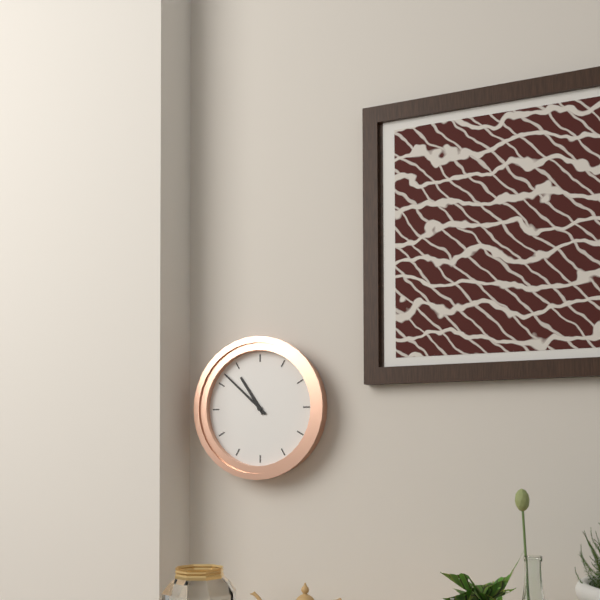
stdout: 10 h 52 min
